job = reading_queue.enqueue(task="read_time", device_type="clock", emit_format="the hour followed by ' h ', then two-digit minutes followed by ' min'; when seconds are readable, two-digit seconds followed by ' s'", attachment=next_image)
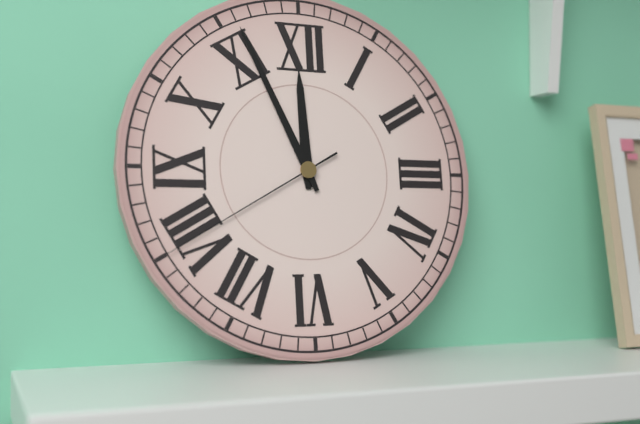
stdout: 11 h 56 min 40 s
